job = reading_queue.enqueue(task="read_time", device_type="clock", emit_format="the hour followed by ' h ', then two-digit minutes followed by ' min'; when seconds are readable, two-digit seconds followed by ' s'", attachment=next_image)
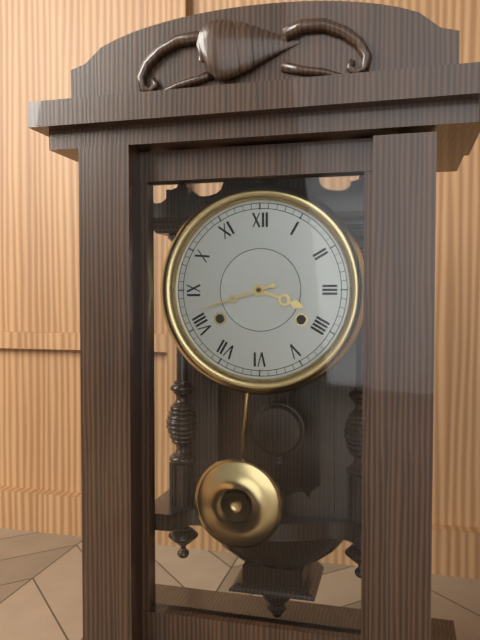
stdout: 3 h 42 min
